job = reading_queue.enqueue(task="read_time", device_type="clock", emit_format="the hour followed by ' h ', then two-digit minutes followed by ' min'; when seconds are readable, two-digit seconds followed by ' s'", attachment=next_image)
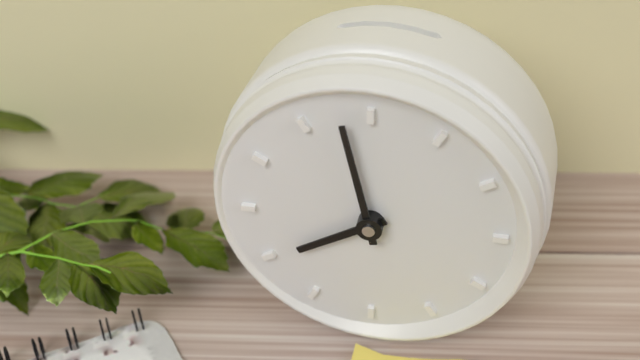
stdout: 7 h 58 min
